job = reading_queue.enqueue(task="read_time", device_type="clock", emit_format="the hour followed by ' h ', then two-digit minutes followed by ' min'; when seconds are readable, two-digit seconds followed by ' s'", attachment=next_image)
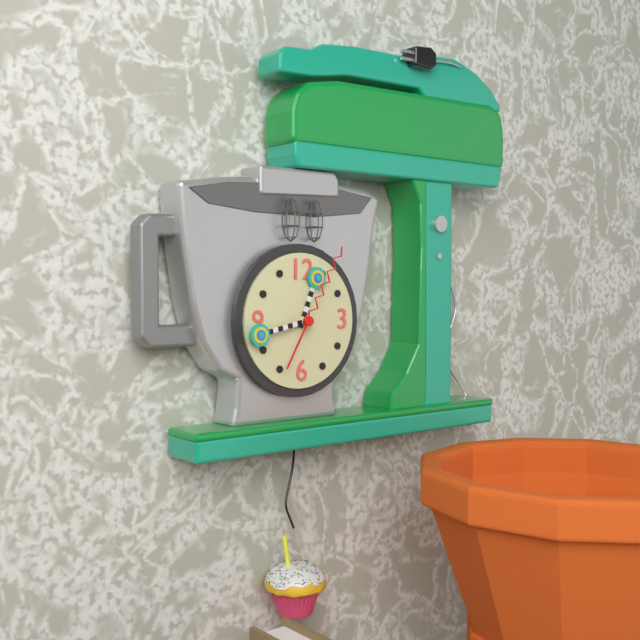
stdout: 12 h 43 min 05 s
